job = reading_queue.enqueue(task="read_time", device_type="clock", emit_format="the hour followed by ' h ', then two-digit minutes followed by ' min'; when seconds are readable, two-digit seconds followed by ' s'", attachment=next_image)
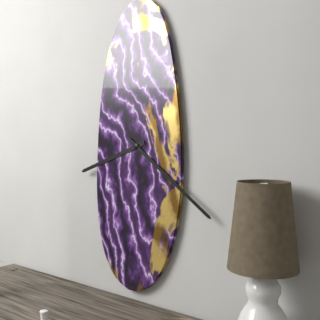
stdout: 8 h 21 min
